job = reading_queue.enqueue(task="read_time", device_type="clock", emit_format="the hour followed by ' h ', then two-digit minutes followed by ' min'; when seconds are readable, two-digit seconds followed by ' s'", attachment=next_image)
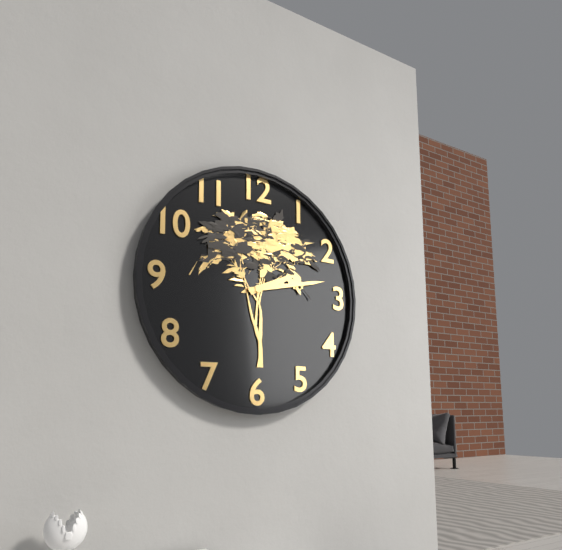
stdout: 2 h 13 min
